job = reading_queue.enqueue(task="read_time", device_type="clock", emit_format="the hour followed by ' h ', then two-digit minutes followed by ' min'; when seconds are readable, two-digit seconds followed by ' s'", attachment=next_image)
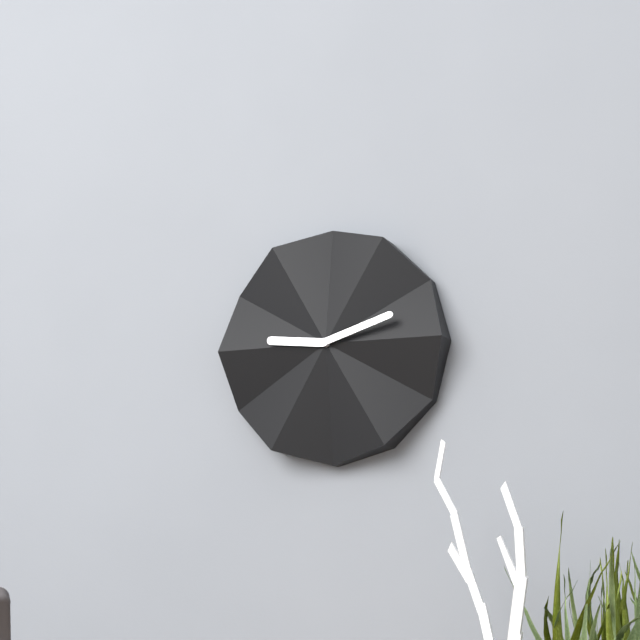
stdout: 9 h 12 min
